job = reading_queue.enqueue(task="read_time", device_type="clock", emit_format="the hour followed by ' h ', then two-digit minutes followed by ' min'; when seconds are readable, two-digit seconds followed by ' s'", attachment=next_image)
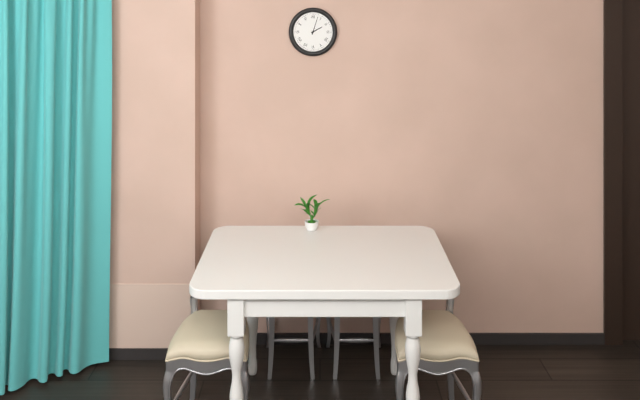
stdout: 2 h 03 min
